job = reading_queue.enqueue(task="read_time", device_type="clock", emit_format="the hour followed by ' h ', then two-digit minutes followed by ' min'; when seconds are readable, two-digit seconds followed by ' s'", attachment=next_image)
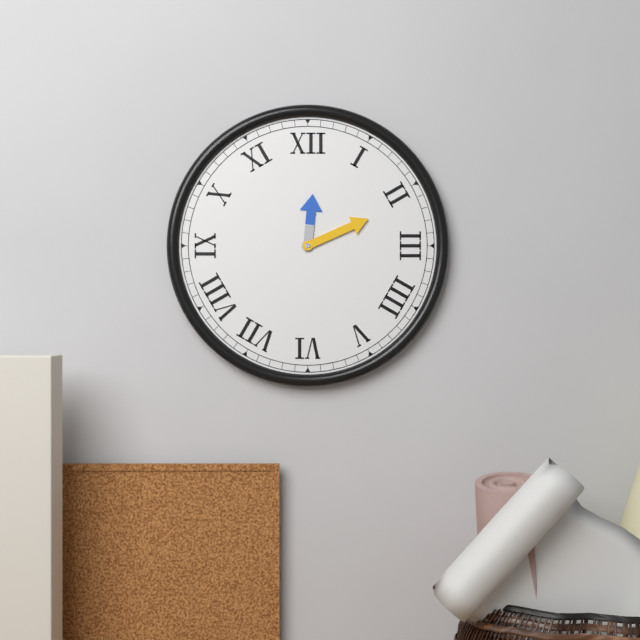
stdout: 12 h 11 min
